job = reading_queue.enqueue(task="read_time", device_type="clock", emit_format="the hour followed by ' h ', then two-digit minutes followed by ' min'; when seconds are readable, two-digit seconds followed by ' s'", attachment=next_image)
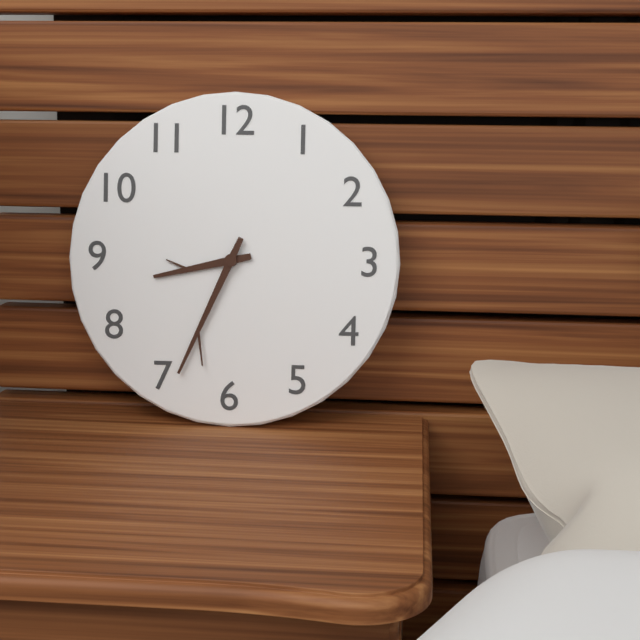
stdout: 8 h 34 min
